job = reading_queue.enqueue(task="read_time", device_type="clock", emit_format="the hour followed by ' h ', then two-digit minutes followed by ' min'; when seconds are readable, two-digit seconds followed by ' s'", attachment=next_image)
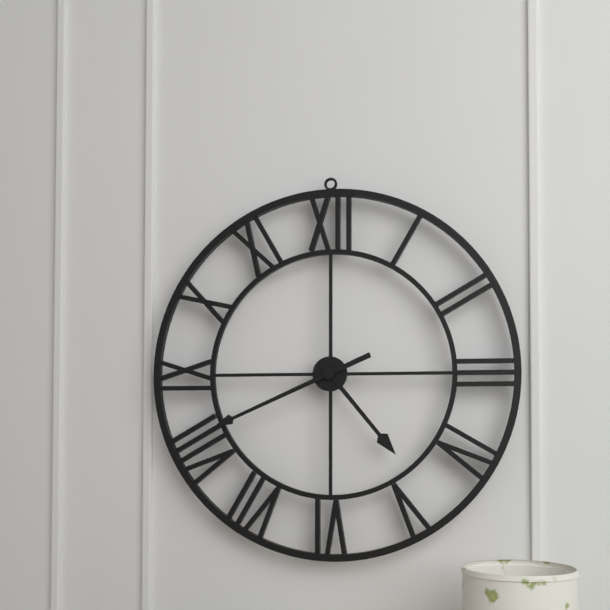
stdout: 4 h 41 min
